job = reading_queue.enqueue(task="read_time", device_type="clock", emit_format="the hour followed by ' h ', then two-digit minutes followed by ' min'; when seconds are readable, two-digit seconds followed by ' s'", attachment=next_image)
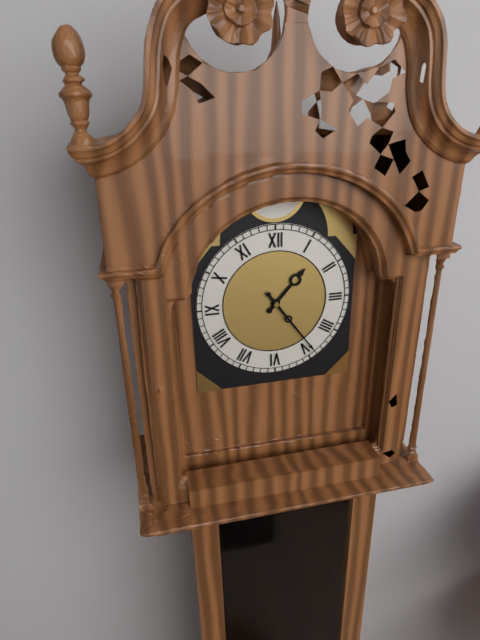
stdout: 1 h 24 min
